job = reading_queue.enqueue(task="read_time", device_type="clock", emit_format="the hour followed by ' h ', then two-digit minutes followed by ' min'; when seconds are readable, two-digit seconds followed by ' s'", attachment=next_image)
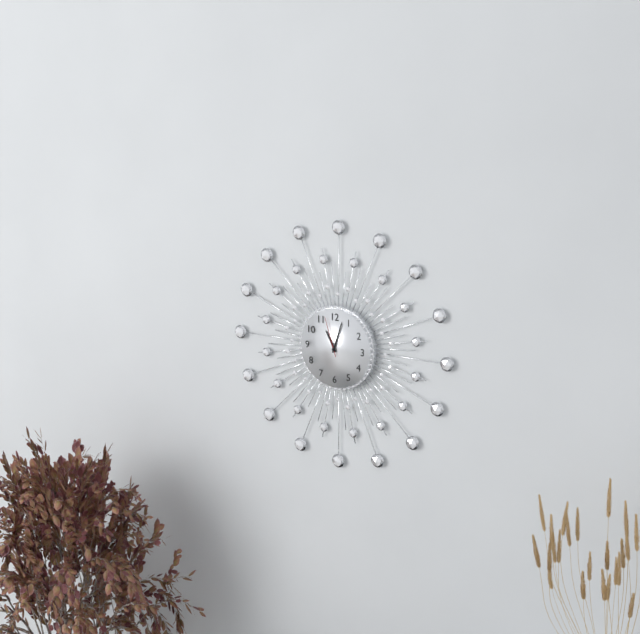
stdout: 11 h 03 min
